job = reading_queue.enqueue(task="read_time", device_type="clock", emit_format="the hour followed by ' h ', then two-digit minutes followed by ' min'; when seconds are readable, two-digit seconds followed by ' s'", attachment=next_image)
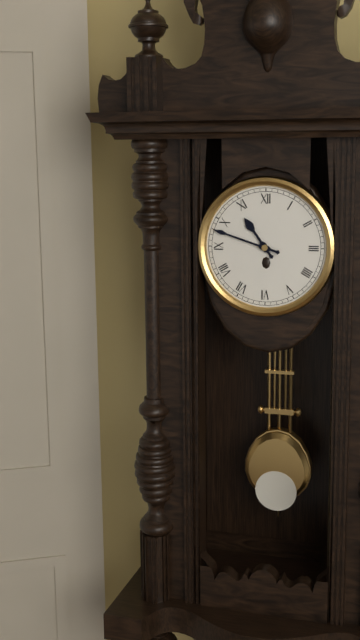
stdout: 10 h 48 min
